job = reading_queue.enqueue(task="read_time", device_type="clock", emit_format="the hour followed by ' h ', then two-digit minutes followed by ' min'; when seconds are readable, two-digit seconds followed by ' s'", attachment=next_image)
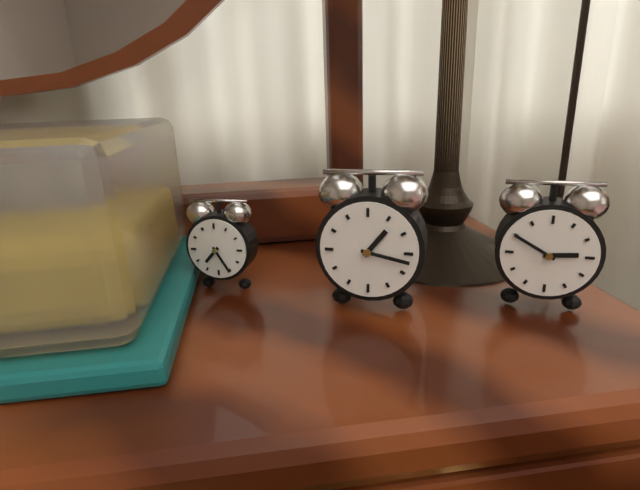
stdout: 1 h 17 min
